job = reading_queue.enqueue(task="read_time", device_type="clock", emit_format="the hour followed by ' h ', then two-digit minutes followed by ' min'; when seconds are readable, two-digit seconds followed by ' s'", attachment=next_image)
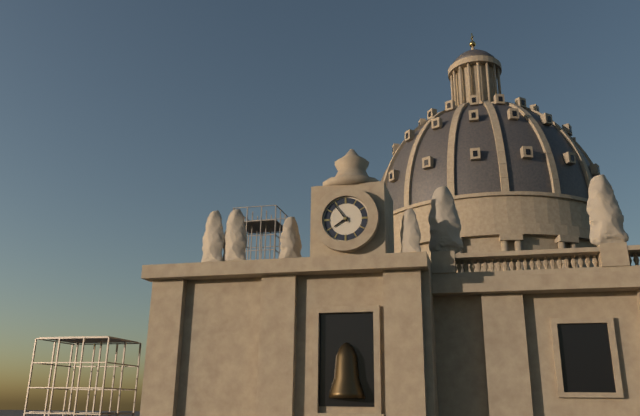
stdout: 7 h 54 min
